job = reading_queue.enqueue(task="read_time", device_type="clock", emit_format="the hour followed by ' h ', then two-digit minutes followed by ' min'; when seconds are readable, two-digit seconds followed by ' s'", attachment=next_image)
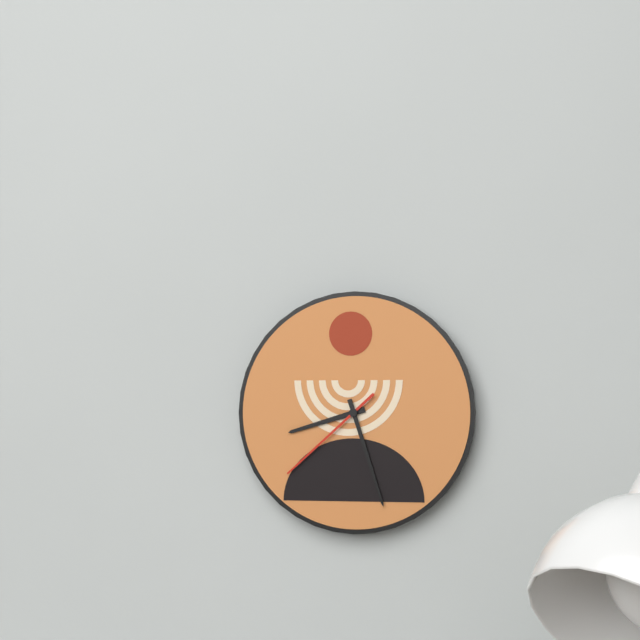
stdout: 8 h 27 min 38 s
